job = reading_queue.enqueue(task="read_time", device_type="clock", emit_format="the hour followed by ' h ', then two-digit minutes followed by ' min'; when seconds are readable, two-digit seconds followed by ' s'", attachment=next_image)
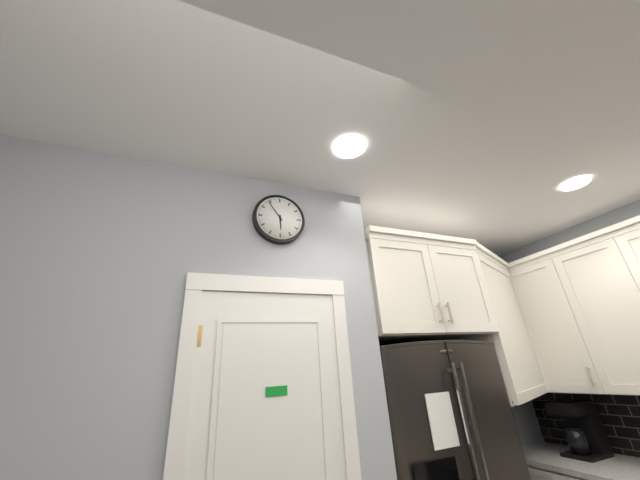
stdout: 5 h 54 min
